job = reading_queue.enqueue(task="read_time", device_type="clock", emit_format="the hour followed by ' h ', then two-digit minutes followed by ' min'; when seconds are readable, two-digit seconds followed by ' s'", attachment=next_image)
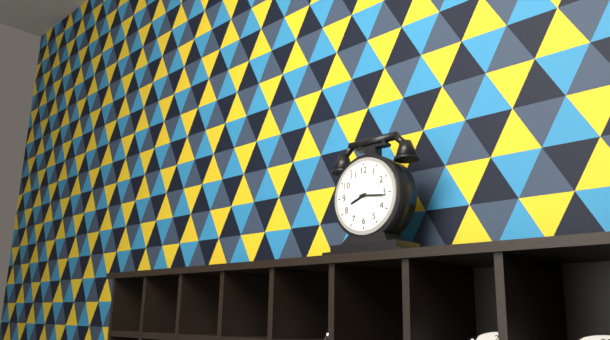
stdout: 8 h 16 min
